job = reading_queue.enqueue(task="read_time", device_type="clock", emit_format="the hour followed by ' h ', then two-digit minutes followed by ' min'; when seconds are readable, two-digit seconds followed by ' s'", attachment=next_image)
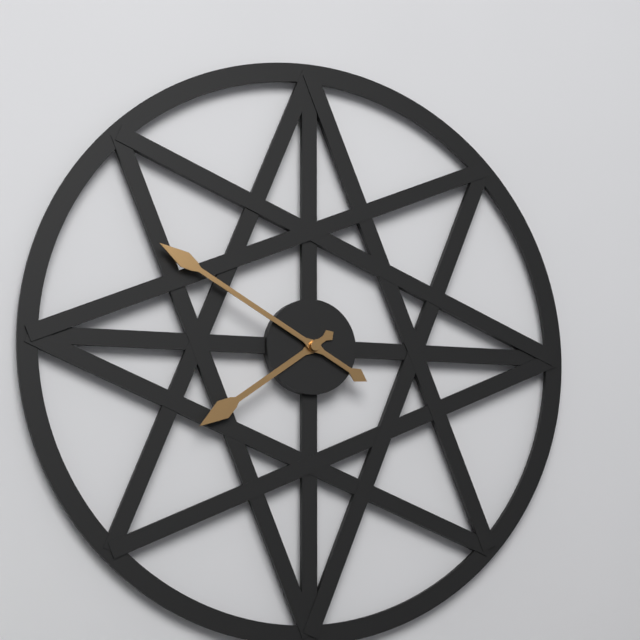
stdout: 7 h 50 min
